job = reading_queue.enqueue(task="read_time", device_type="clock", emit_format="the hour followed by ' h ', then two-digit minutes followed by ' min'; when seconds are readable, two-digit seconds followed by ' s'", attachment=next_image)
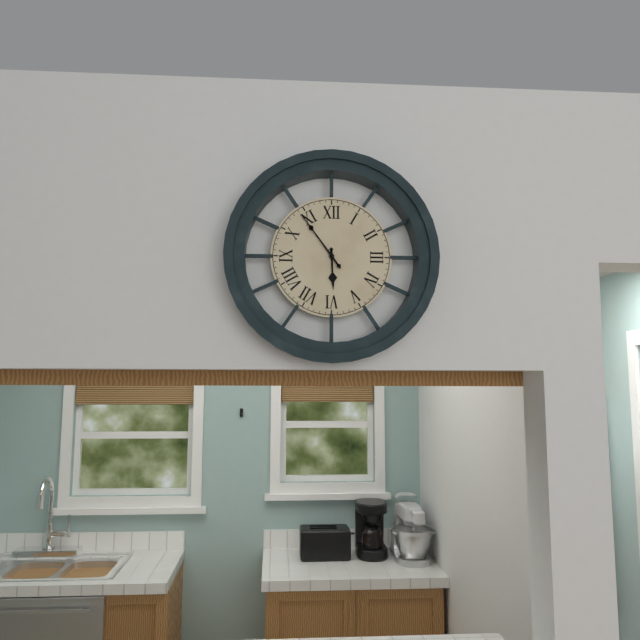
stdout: 5 h 54 min
